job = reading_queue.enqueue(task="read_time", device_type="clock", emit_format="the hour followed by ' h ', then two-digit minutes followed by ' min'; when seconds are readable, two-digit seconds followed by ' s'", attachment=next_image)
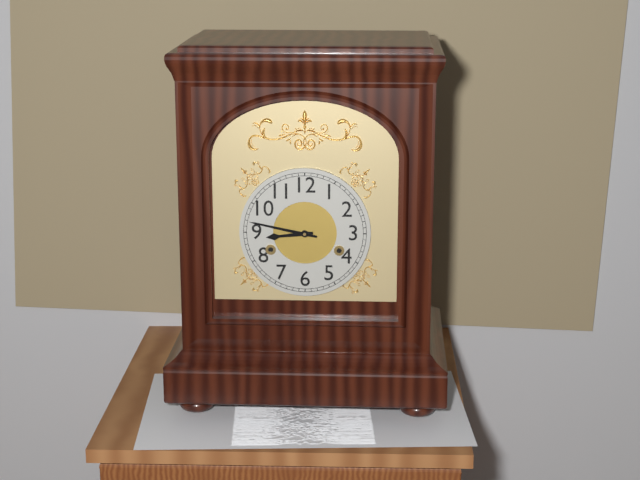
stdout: 8 h 47 min
